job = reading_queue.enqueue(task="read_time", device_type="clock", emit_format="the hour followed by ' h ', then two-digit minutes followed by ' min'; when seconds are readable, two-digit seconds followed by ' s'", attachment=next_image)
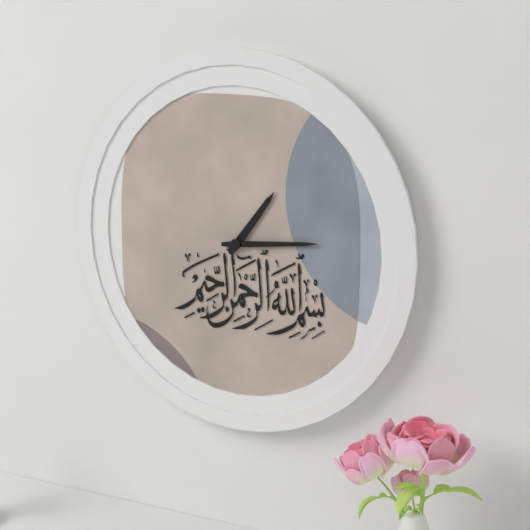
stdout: 1 h 14 min
